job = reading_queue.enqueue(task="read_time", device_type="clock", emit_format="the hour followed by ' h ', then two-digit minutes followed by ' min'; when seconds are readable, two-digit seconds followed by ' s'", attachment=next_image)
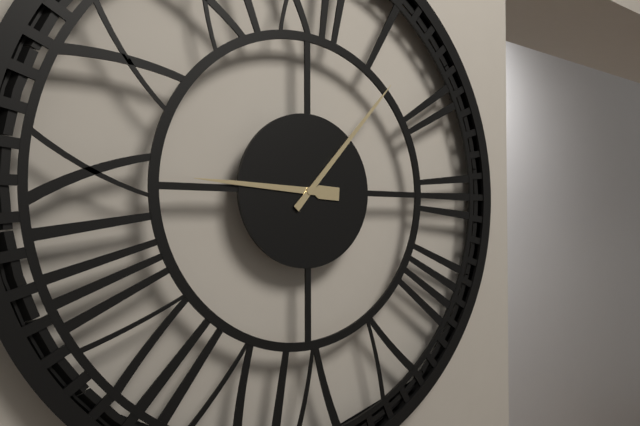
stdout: 9 h 07 min
